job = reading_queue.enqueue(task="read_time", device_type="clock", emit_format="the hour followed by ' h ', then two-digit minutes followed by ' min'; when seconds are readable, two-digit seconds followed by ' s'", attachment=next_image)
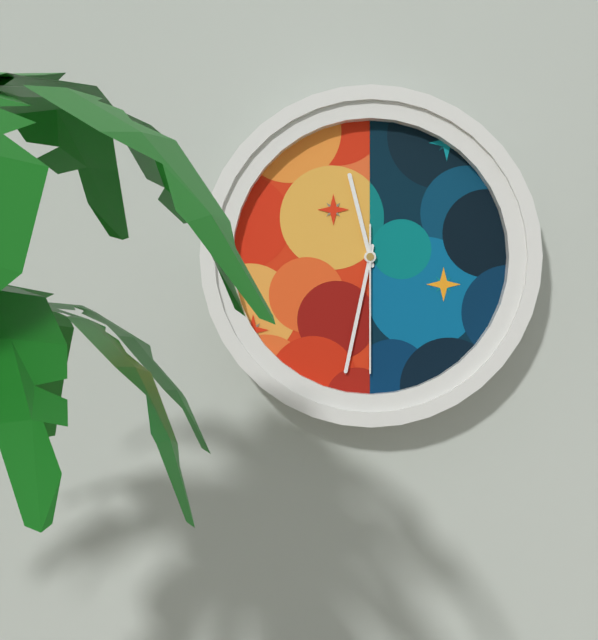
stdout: 11 h 32 min 30 s
